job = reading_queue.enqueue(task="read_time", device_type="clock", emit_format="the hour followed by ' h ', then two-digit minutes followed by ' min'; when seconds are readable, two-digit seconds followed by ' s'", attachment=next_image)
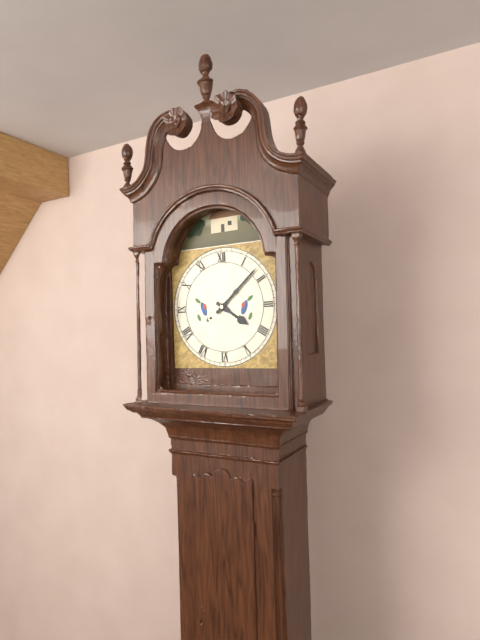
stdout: 4 h 08 min
